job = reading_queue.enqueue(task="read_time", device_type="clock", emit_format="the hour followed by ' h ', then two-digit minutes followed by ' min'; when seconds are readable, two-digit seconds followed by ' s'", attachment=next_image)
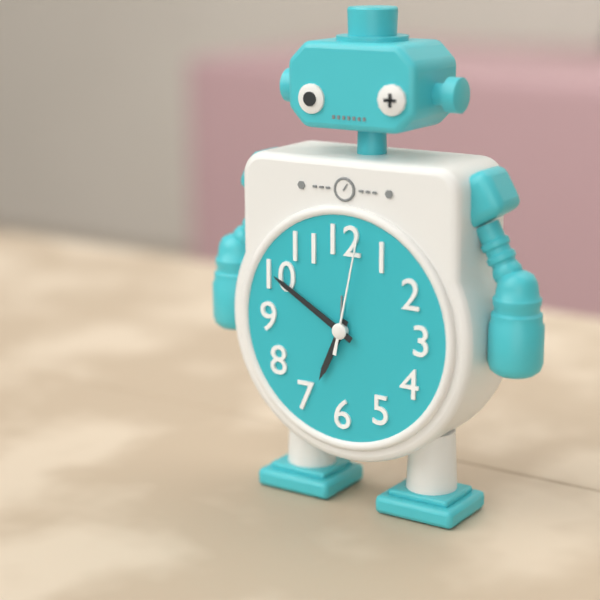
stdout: 6 h 50 min 02 s
